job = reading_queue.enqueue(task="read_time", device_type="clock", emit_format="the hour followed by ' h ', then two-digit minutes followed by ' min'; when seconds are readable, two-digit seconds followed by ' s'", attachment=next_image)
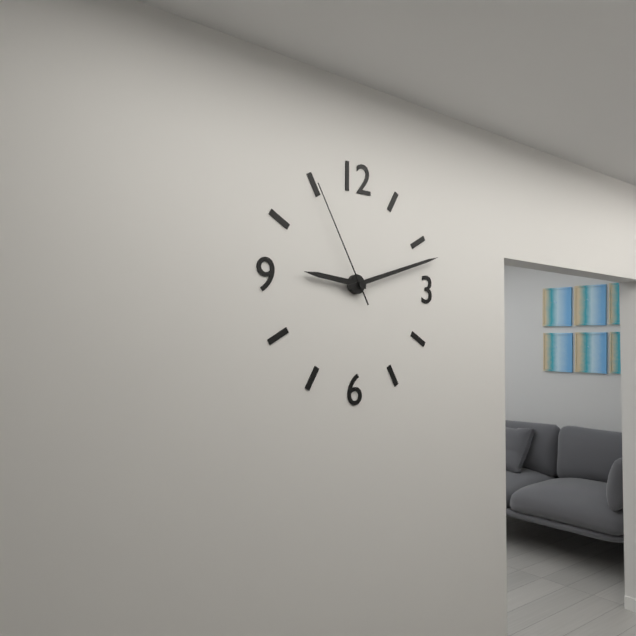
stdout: 9 h 12 min 55 s
